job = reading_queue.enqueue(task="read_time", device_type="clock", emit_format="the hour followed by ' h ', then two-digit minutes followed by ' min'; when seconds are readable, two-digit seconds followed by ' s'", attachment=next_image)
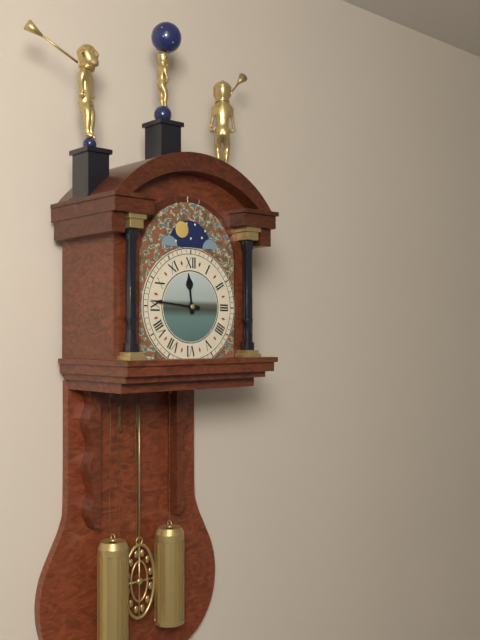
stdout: 11 h 46 min
